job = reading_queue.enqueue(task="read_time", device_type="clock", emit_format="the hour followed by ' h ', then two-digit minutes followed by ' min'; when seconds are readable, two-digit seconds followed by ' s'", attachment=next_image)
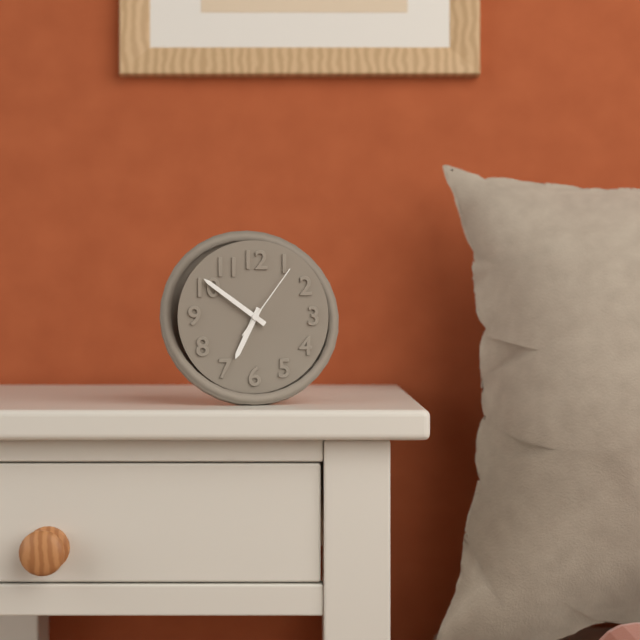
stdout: 6 h 51 min 06 s
